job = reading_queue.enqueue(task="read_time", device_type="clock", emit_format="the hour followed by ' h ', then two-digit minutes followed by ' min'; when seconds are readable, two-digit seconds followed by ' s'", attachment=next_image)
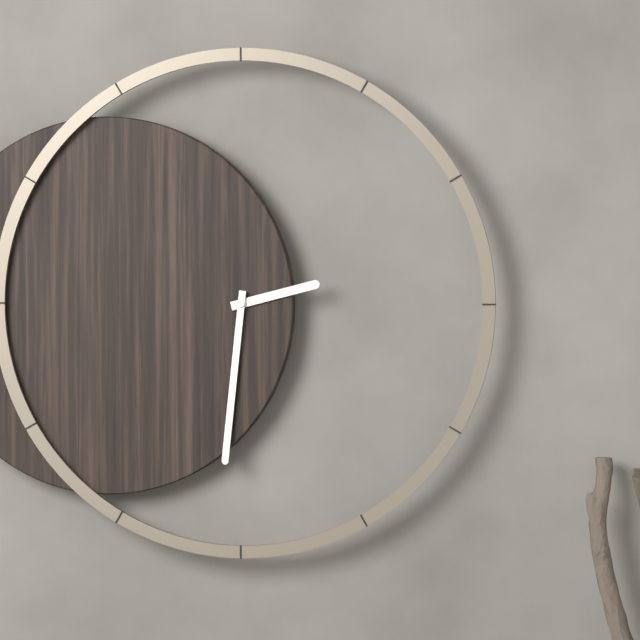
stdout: 2 h 31 min
